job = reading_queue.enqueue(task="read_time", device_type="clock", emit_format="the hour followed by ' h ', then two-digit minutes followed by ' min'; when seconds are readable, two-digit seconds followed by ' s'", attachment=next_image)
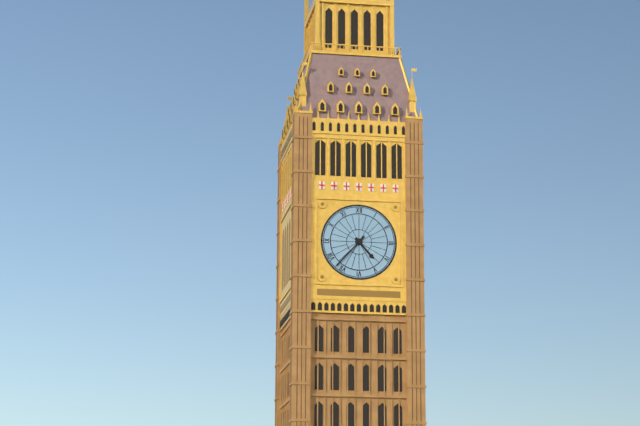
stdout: 4 h 37 min
